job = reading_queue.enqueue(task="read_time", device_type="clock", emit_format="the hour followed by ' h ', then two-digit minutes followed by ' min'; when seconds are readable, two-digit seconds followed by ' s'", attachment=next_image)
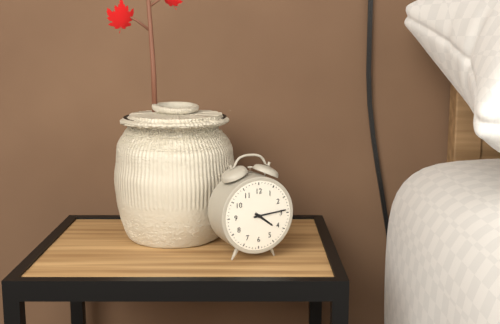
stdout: 4 h 14 min
